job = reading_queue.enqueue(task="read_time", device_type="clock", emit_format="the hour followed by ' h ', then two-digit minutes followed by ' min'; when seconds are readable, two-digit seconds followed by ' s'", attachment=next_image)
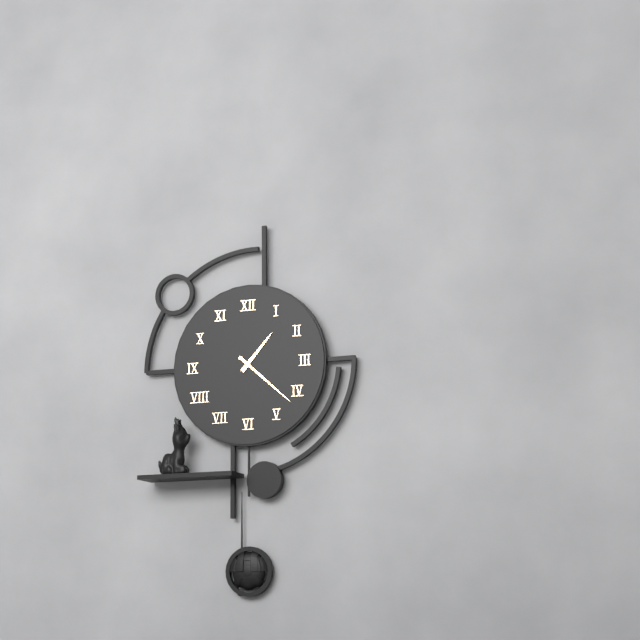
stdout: 1 h 22 min
